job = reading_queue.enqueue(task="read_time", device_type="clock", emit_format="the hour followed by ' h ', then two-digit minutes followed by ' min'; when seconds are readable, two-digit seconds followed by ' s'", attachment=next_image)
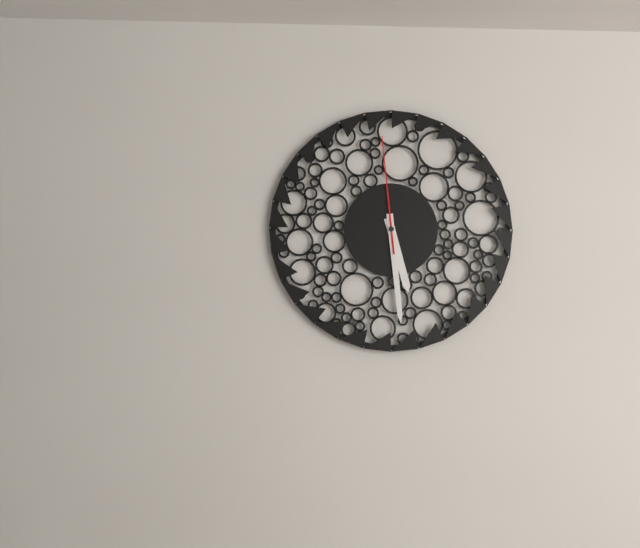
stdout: 5 h 29 min 59 s
